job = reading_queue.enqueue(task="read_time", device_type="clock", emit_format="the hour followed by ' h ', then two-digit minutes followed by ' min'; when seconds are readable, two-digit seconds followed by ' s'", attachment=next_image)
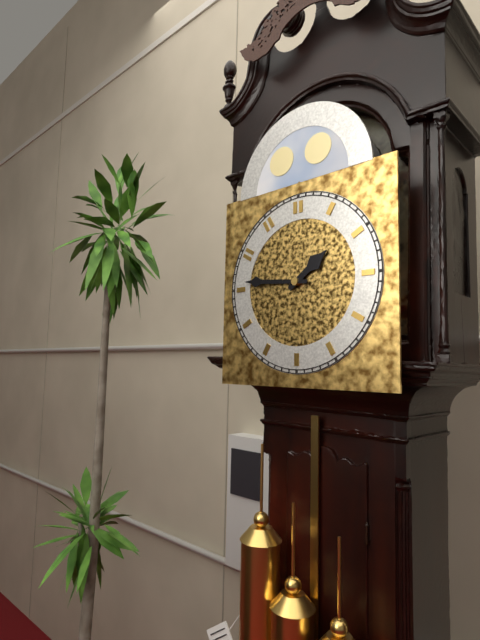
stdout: 1 h 46 min
